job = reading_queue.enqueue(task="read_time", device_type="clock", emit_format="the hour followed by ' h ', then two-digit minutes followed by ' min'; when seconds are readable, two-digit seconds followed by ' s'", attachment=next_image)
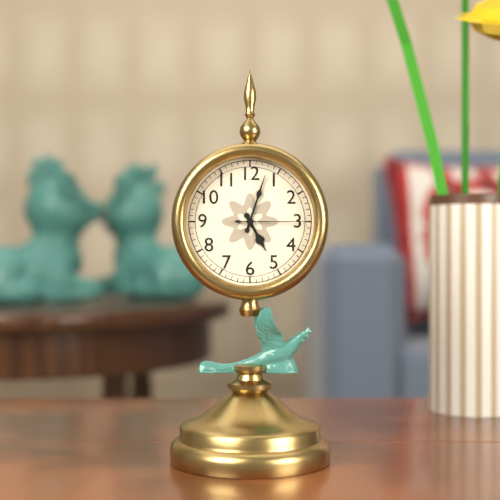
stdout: 5 h 03 min 15 s
